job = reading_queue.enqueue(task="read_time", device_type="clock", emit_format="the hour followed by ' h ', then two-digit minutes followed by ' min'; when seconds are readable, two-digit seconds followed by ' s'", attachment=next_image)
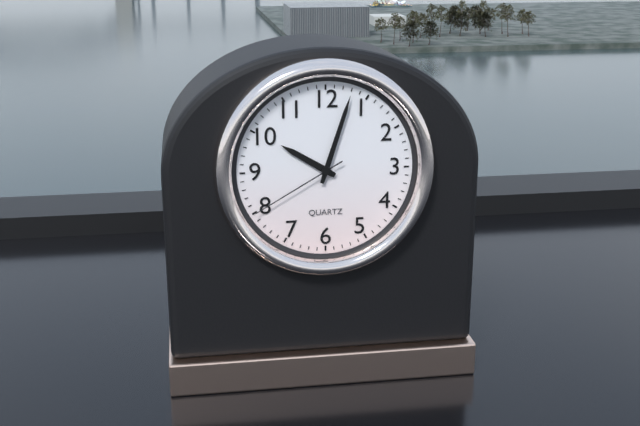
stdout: 10 h 03 min 40 s
